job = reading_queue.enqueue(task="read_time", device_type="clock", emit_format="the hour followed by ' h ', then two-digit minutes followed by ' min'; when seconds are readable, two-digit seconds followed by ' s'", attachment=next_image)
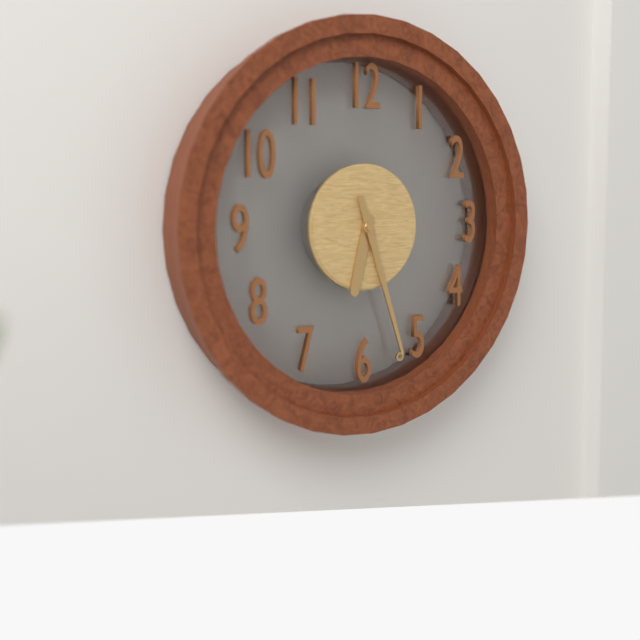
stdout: 6 h 27 min
